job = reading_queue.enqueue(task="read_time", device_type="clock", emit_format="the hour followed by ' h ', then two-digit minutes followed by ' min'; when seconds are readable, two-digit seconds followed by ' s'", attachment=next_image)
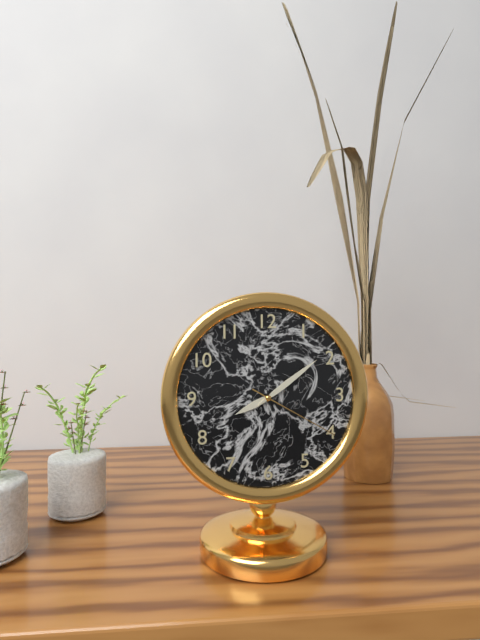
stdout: 8 h 09 min 20 s
